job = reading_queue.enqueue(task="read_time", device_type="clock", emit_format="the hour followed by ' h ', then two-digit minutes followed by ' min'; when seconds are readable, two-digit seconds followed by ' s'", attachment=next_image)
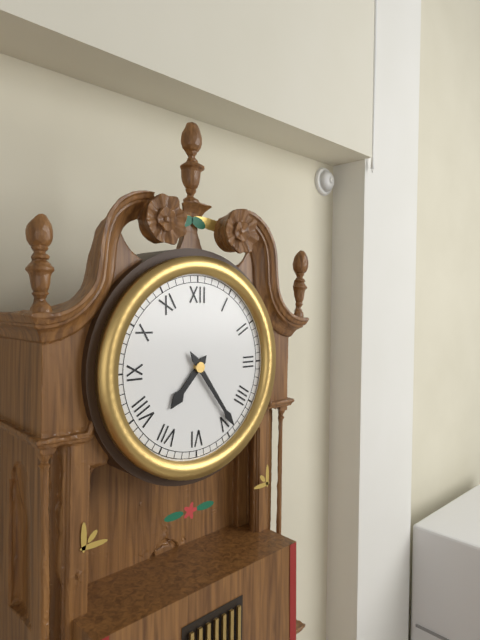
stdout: 7 h 24 min
